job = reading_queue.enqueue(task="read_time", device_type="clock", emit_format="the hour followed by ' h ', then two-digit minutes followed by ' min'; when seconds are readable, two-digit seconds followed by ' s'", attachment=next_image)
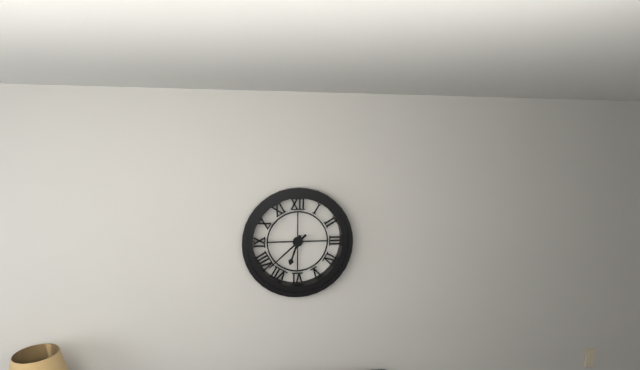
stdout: 6 h 38 min
